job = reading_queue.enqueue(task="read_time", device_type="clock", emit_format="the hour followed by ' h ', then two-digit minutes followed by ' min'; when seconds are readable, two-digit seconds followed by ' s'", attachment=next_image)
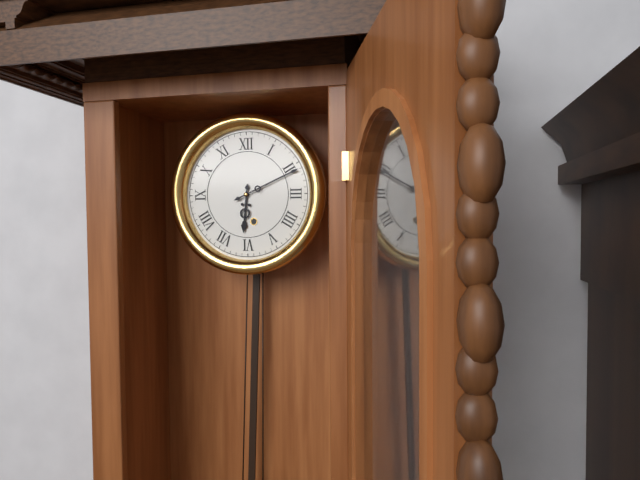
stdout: 6 h 11 min
